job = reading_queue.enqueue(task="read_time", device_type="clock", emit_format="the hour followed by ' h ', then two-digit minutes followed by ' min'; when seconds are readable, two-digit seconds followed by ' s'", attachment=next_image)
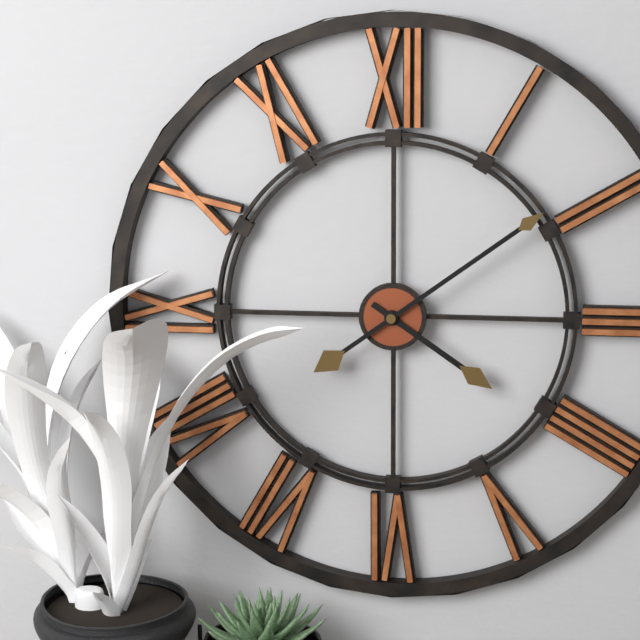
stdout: 4 h 09 min
